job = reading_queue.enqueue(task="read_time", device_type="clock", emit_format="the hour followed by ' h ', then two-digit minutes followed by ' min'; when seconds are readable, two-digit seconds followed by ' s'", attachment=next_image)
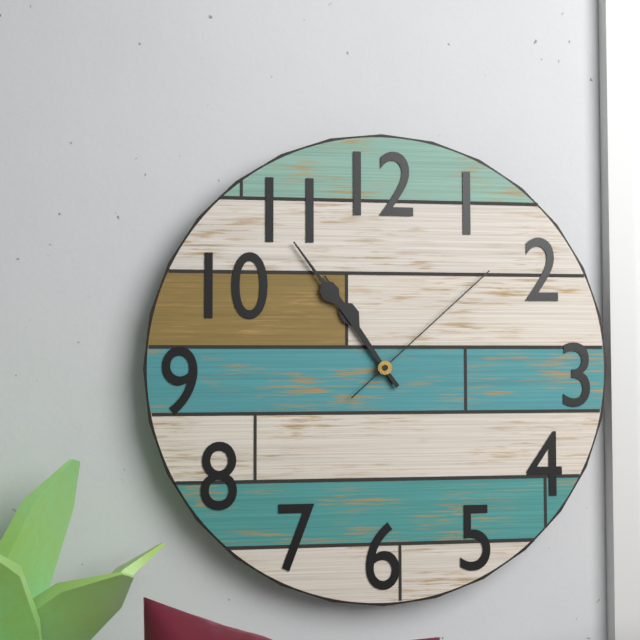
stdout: 10 h 54 min 08 s
